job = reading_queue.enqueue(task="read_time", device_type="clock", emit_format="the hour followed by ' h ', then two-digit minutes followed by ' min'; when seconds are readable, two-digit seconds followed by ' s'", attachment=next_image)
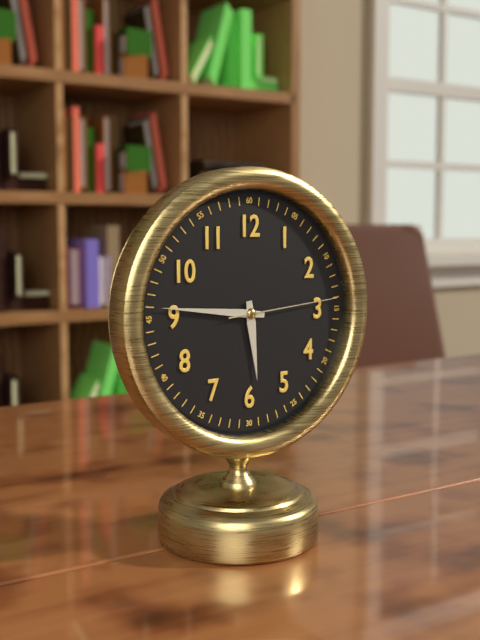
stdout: 5 h 46 min 14 s
